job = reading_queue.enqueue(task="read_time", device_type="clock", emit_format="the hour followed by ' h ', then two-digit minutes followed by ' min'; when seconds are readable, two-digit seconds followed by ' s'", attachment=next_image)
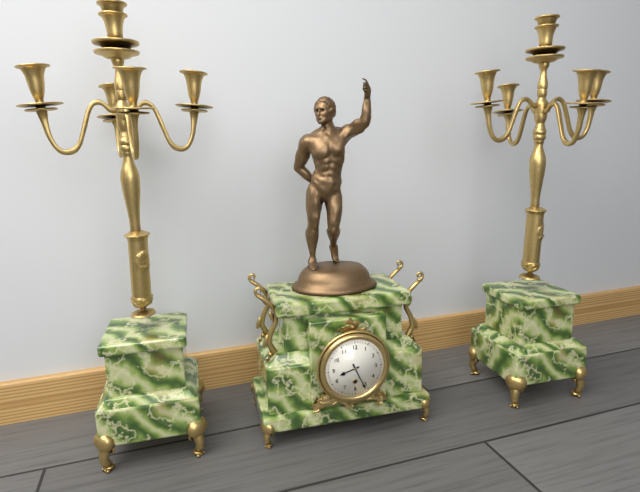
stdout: 8 h 26 min
